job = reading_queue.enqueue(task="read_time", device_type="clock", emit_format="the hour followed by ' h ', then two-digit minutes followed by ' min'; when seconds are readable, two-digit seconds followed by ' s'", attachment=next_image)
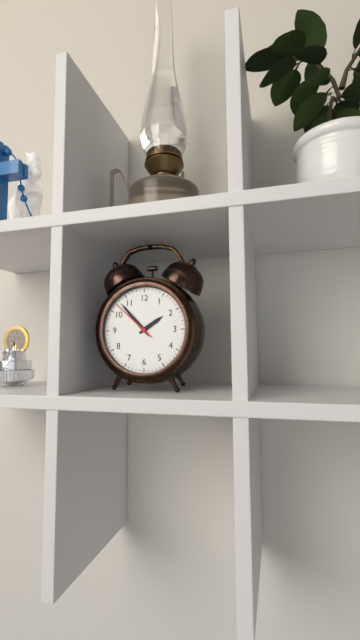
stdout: 1 h 53 min
